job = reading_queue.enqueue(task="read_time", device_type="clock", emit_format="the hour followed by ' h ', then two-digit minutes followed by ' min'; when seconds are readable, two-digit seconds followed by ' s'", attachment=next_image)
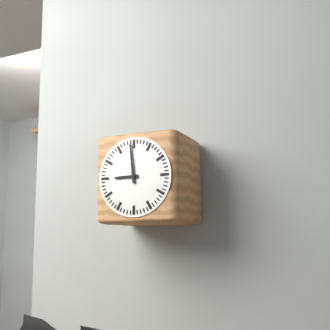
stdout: 8 h 59 min
